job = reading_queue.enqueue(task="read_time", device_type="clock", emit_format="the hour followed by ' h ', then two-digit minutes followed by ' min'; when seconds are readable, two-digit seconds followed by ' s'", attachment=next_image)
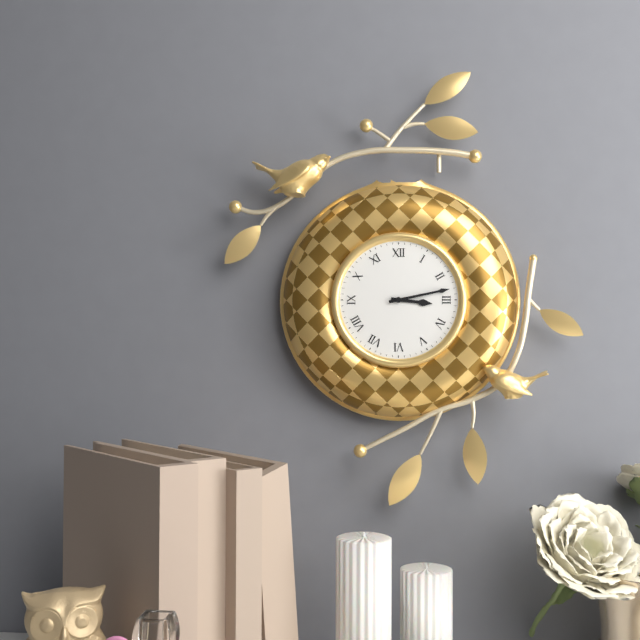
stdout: 3 h 13 min
